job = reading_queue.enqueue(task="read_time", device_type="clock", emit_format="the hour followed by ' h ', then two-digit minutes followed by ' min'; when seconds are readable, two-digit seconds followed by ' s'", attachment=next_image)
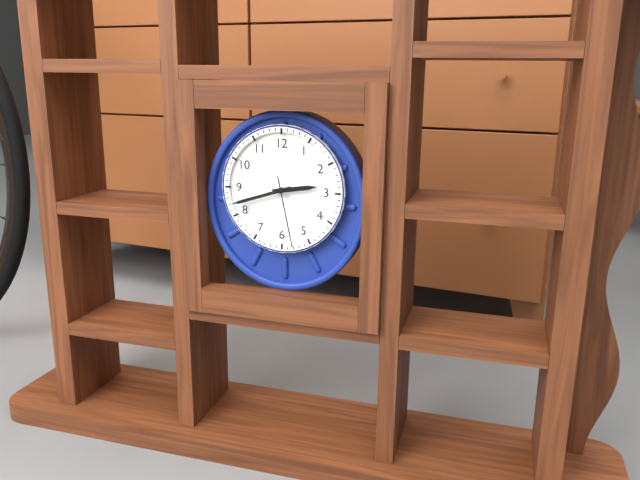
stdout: 2 h 42 min 28 s
